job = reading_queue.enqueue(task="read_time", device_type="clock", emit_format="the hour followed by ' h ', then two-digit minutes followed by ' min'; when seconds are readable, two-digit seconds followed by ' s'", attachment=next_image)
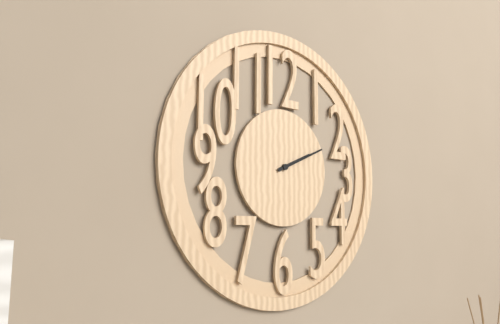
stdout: 2 h 11 min
